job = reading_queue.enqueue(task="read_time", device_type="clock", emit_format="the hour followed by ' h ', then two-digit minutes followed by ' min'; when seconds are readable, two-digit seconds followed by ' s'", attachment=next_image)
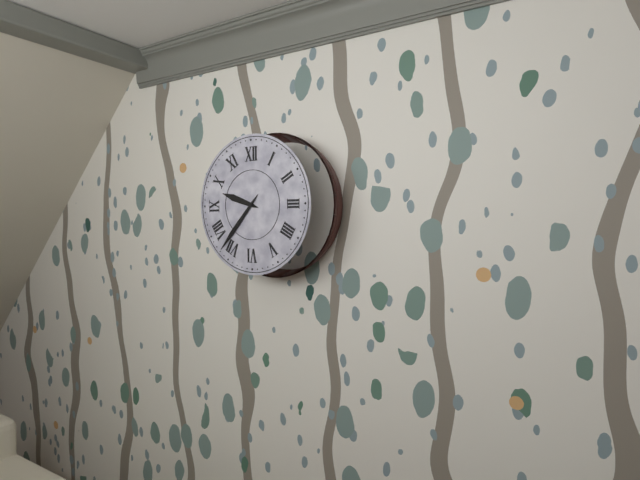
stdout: 9 h 37 min
